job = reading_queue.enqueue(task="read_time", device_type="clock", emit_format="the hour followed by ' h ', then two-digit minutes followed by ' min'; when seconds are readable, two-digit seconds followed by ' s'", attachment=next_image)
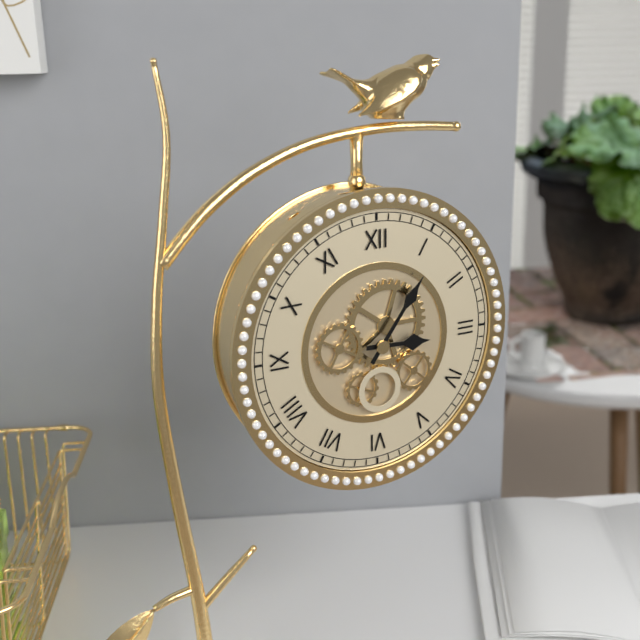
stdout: 3 h 06 min
